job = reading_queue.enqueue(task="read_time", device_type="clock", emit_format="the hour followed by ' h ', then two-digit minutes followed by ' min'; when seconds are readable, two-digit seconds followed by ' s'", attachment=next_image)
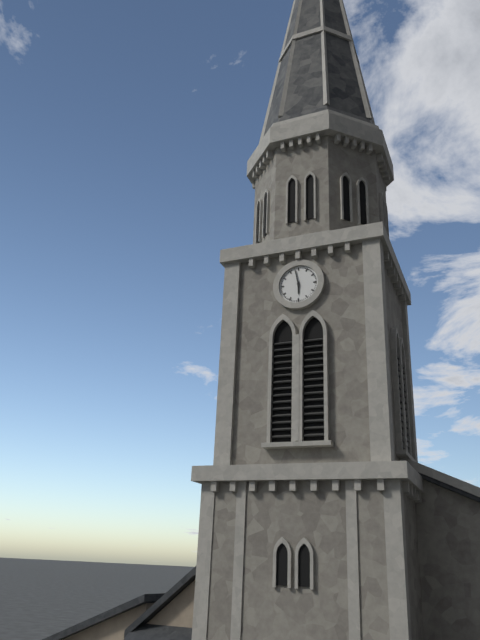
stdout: 5 h 58 min
